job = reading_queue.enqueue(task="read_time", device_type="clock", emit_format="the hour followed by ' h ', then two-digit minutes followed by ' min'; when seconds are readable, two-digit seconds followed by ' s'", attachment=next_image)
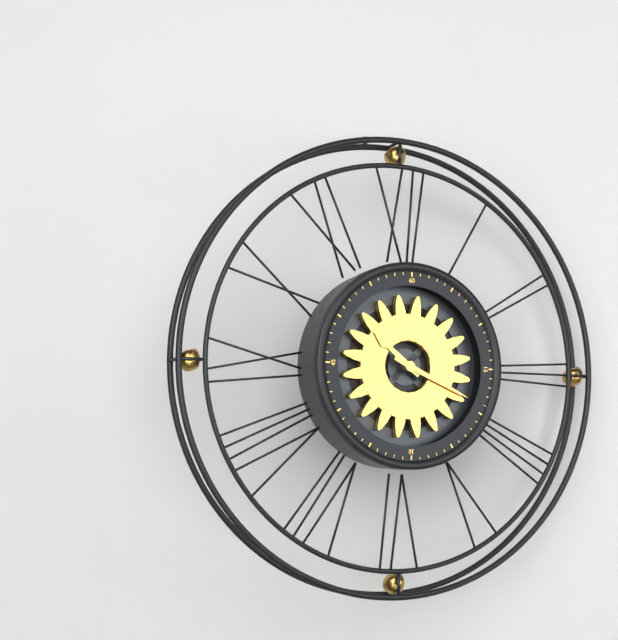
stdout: 10 h 19 min
